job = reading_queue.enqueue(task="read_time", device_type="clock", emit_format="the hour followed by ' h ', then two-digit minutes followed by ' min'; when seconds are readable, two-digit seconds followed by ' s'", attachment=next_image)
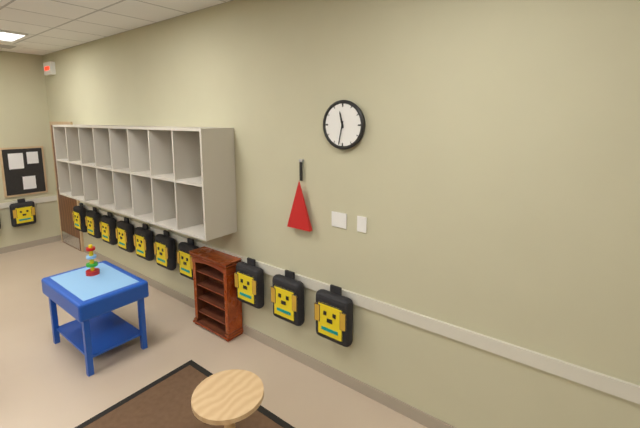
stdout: 11 h 32 min
